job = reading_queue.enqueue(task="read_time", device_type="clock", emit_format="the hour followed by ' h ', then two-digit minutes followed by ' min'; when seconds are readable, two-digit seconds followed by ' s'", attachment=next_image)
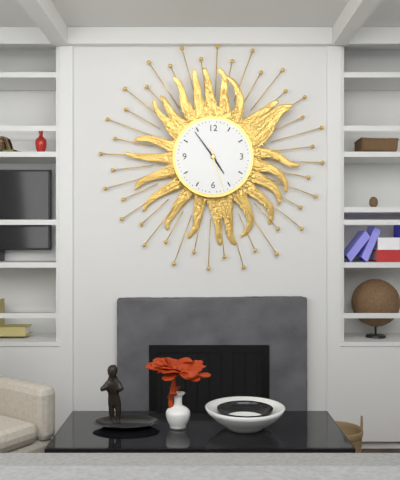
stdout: 4 h 54 min
